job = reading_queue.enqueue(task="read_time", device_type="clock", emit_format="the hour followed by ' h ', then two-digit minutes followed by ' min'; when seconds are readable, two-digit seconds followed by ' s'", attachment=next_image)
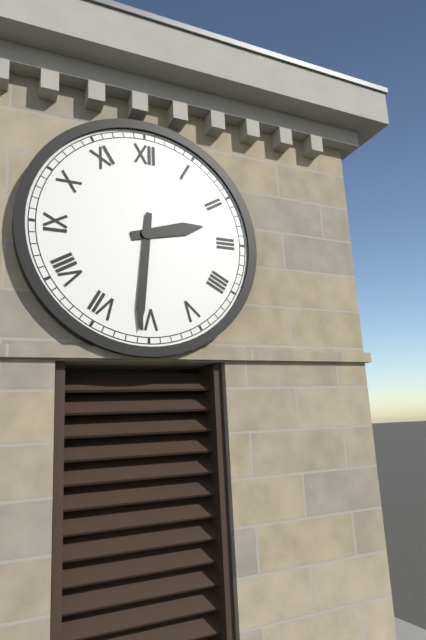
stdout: 2 h 31 min
